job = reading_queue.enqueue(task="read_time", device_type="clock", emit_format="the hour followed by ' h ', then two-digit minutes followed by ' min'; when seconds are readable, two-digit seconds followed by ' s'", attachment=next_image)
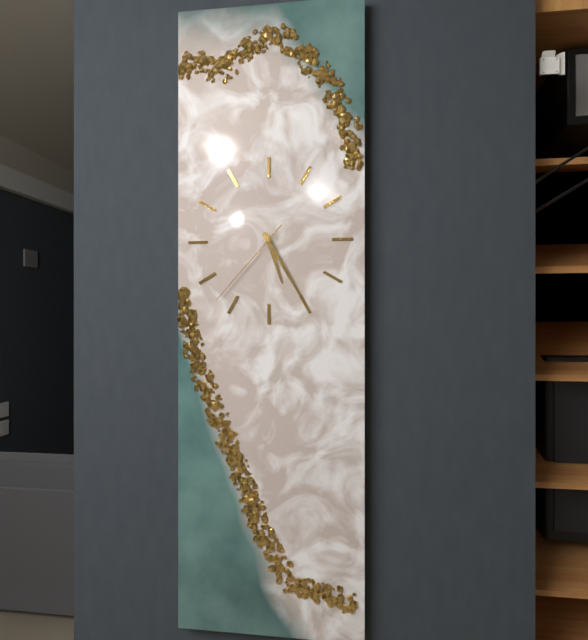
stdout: 5 h 25 min 37 s
